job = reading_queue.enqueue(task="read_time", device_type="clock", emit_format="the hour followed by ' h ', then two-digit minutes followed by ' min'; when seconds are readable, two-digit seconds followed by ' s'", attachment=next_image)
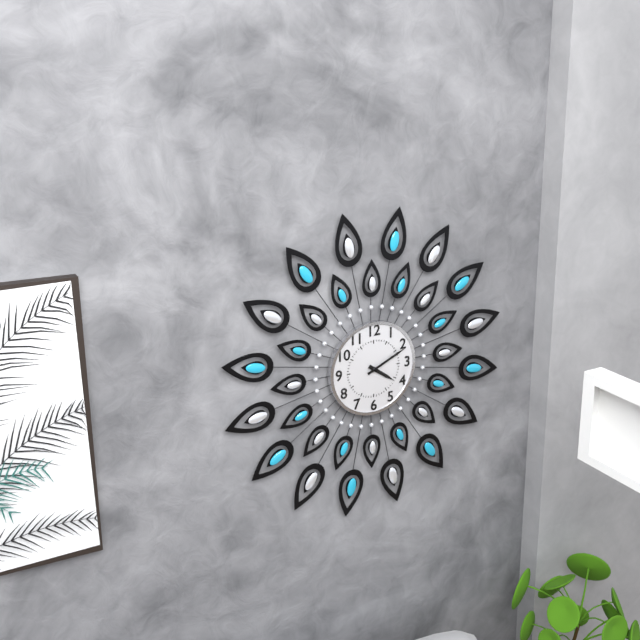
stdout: 4 h 11 min
